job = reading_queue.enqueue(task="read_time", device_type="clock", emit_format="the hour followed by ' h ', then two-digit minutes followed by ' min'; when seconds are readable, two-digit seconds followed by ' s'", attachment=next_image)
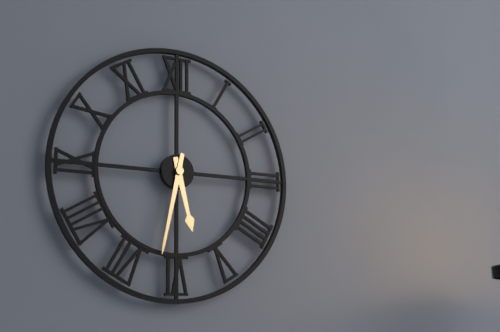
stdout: 5 h 32 min
